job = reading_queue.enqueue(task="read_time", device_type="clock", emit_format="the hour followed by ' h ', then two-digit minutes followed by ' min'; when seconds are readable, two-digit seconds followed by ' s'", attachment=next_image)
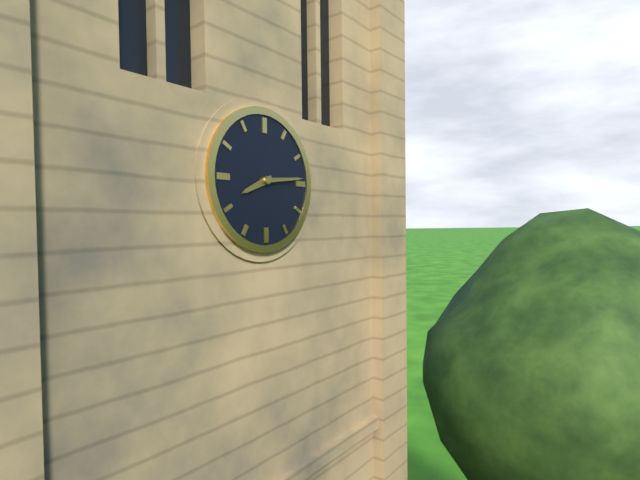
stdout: 8 h 14 min
